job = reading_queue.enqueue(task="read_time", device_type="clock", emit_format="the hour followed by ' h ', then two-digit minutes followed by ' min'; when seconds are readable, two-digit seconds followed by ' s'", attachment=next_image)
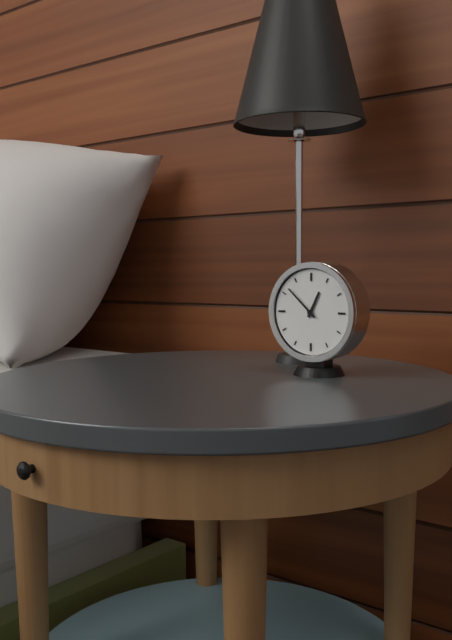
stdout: 12 h 52 min
